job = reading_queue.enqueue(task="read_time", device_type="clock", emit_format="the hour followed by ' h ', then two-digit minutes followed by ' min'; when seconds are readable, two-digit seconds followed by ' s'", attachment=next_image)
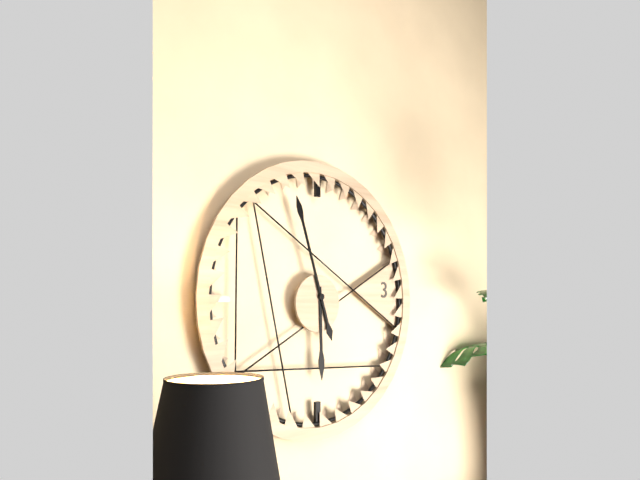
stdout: 5 h 57 min
